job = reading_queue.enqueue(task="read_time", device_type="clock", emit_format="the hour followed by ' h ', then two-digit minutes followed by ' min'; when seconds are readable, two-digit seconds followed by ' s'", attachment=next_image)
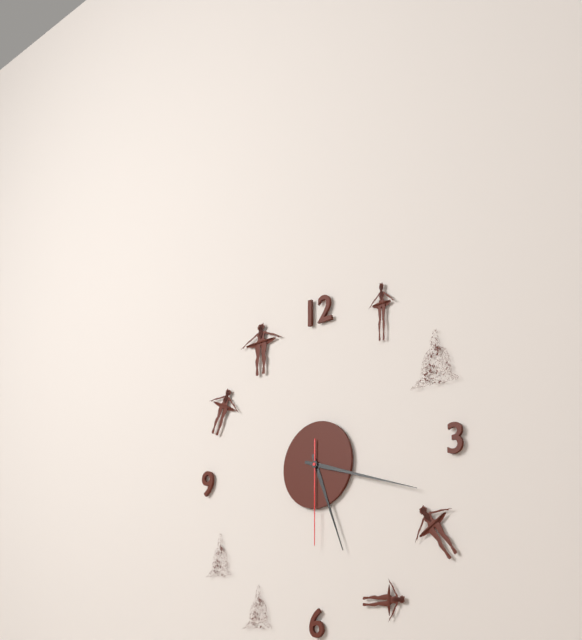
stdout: 5 h 18 min 30 s
